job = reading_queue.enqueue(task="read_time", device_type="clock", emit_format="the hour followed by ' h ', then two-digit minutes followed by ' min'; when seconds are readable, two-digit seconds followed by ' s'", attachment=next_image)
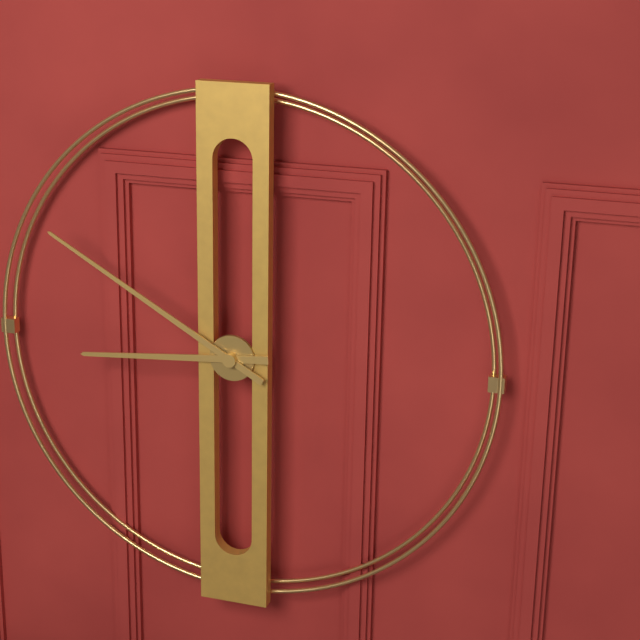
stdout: 8 h 50 min
